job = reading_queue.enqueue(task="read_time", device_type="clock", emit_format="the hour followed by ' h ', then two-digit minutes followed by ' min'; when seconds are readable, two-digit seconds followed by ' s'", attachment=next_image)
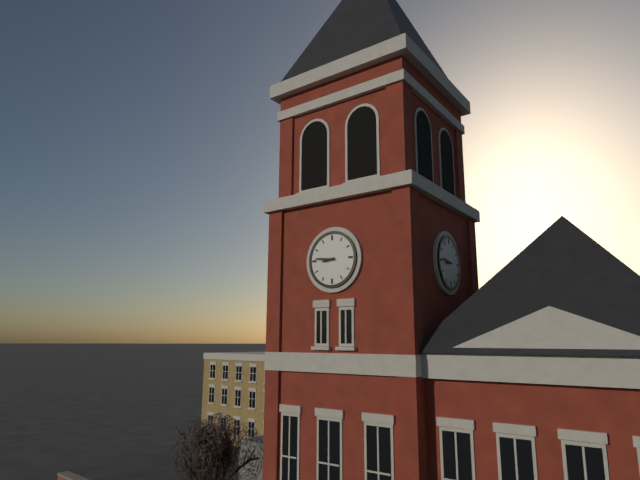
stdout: 8 h 46 min
